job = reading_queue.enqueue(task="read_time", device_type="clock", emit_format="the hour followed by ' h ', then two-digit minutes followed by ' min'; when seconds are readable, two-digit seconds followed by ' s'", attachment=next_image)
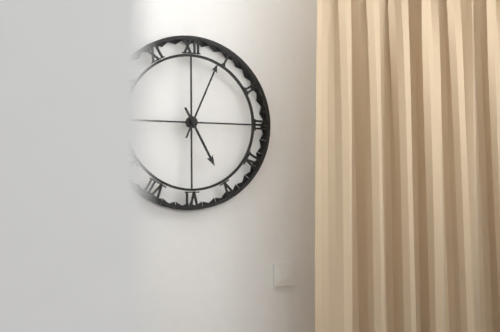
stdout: 5 h 04 min
